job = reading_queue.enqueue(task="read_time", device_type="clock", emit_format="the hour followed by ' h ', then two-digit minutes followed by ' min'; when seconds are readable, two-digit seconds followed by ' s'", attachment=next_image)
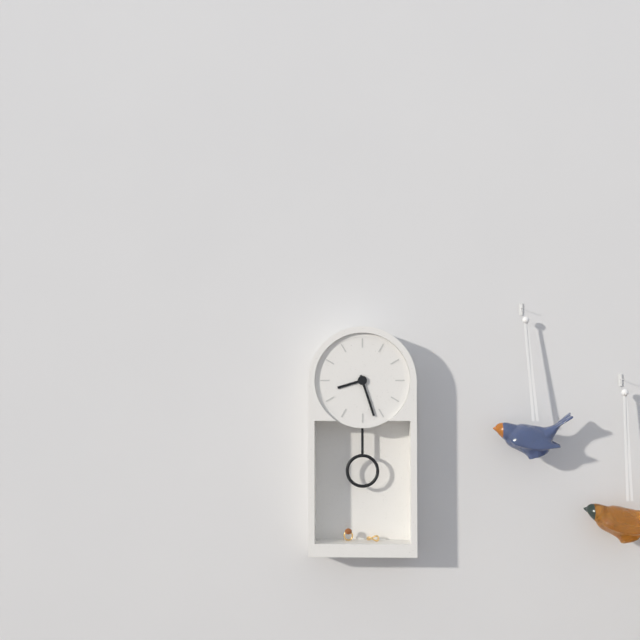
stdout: 8 h 27 min
